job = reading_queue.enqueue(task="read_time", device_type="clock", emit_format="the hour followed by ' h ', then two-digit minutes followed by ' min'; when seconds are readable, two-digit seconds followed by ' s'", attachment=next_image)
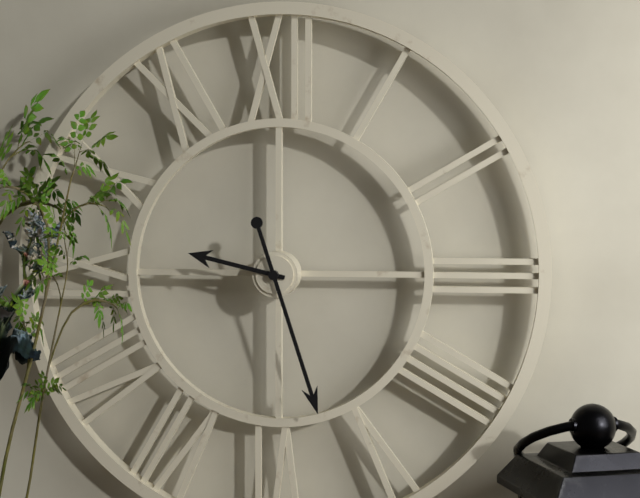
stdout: 9 h 27 min
